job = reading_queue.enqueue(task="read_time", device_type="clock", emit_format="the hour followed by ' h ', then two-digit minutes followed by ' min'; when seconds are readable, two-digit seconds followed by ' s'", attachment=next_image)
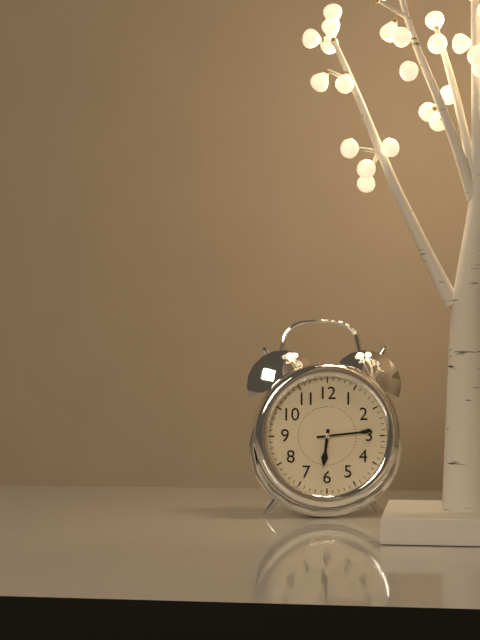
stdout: 6 h 14 min
